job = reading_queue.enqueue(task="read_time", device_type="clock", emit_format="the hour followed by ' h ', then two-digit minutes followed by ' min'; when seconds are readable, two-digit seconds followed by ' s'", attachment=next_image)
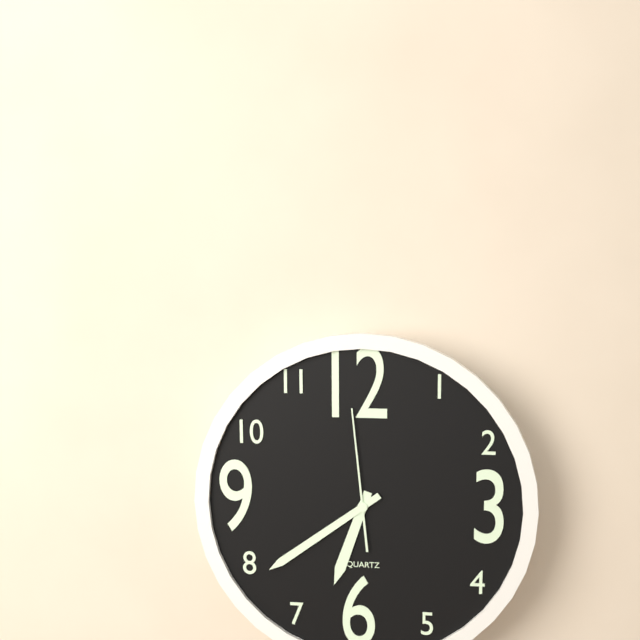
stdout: 6 h 39 min 59 s
